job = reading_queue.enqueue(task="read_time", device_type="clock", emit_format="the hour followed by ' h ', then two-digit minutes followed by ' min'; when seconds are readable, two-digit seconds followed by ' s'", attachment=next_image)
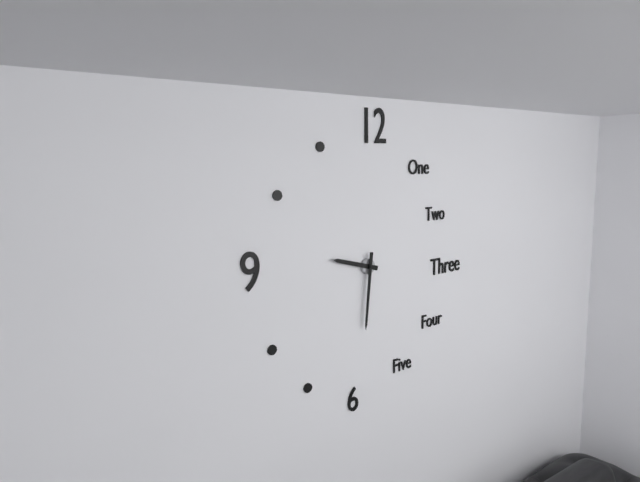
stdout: 9 h 31 min
